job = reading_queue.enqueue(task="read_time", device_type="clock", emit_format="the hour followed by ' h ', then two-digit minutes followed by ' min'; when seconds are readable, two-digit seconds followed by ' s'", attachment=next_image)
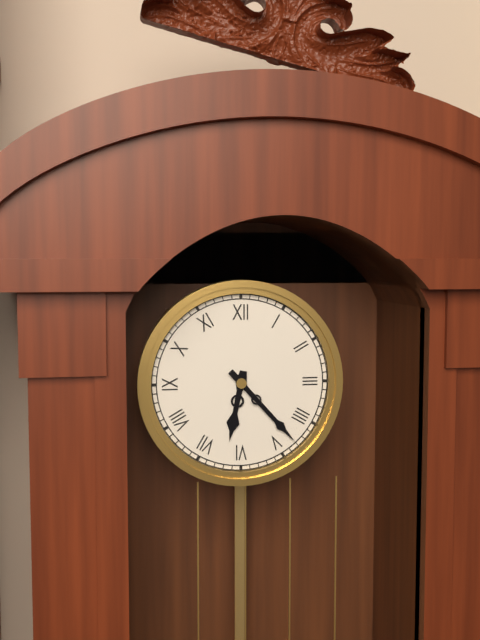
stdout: 6 h 23 min
